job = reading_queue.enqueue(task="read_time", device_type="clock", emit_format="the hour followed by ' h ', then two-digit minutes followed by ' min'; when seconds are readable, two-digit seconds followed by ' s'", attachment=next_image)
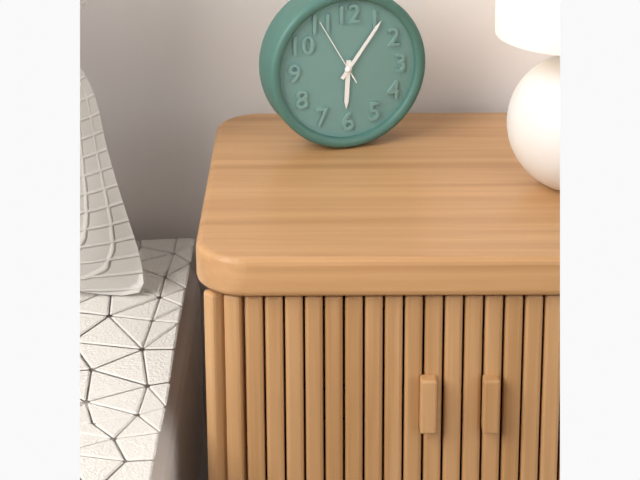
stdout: 6 h 06 min 55 s
